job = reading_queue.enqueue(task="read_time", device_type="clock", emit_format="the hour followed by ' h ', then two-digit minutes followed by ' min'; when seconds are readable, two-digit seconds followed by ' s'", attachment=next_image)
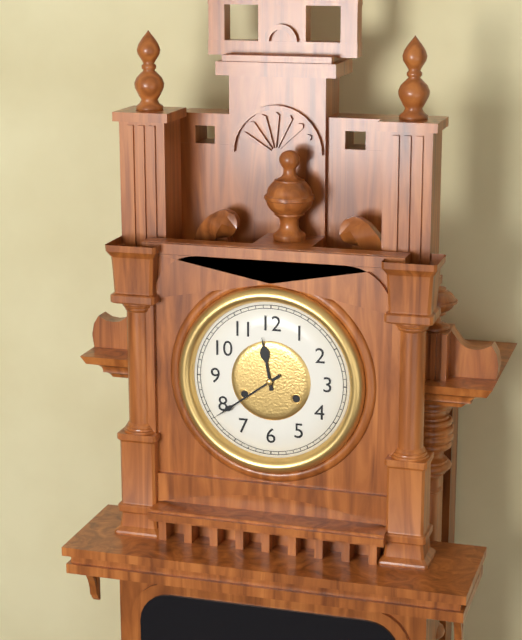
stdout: 11 h 39 min
